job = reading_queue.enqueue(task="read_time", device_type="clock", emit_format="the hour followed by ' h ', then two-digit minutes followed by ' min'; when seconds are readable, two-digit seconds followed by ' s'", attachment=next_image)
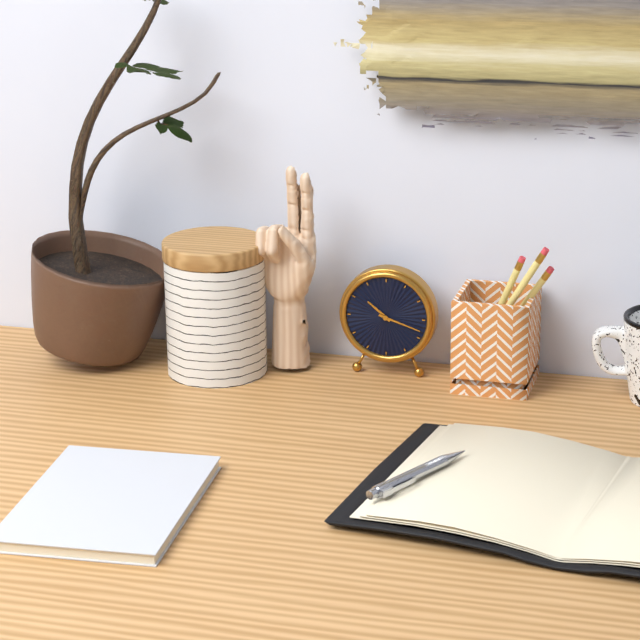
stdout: 10 h 18 min
